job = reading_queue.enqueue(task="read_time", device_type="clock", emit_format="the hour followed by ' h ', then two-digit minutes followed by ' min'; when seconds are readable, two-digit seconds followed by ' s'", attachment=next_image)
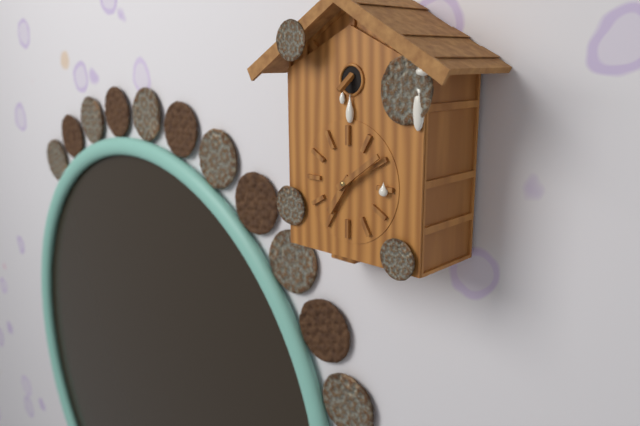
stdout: 7 h 09 min
